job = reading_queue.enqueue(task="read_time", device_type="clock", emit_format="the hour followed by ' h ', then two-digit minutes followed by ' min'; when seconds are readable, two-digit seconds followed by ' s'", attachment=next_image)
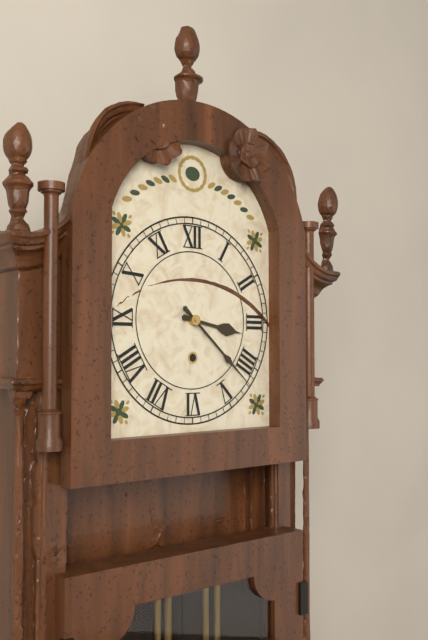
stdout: 3 h 22 min
